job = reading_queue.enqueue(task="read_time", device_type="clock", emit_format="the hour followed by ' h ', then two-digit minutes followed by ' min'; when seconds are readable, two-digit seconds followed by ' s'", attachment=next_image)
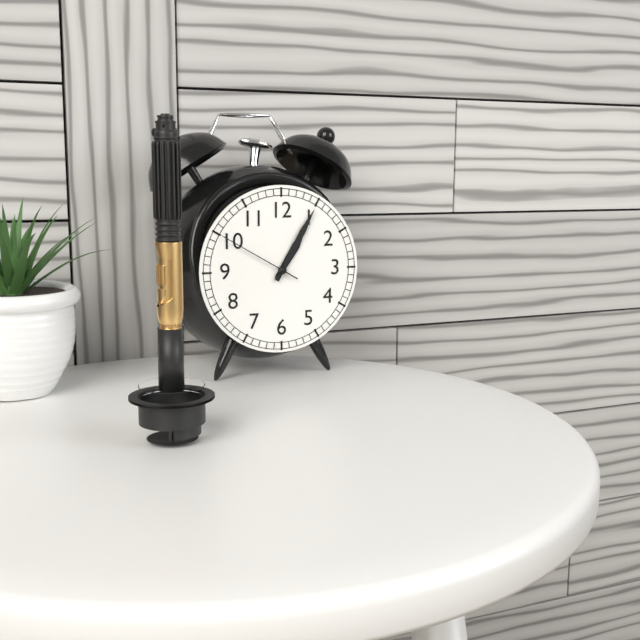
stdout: 1 h 05 min 50 s
